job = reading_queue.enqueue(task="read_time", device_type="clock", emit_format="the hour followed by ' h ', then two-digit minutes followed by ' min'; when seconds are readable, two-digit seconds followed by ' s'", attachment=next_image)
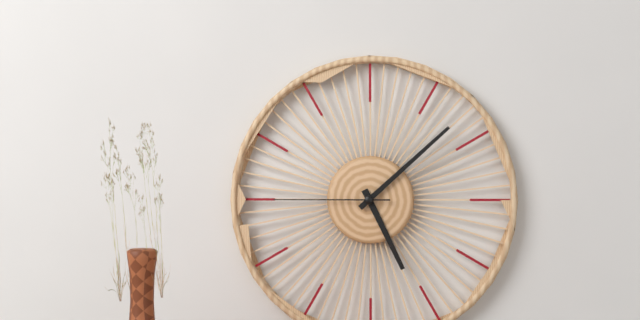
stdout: 5 h 08 min 45 s
